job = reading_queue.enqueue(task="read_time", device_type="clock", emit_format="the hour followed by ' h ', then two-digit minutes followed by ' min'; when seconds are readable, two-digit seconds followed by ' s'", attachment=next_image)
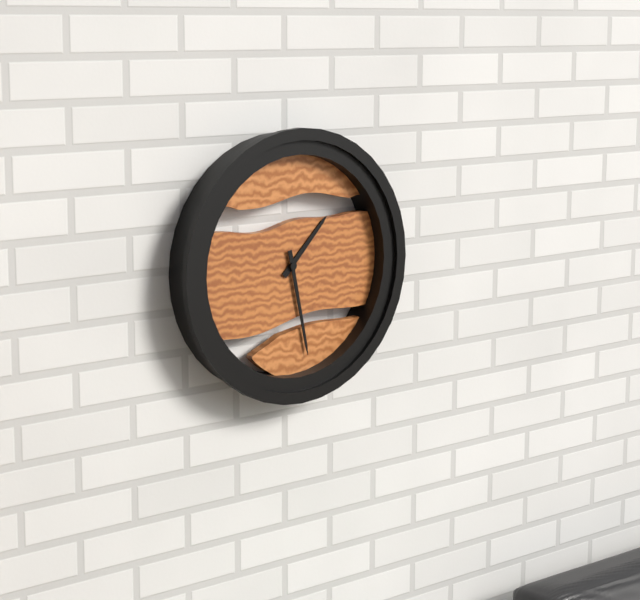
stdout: 1 h 28 min
